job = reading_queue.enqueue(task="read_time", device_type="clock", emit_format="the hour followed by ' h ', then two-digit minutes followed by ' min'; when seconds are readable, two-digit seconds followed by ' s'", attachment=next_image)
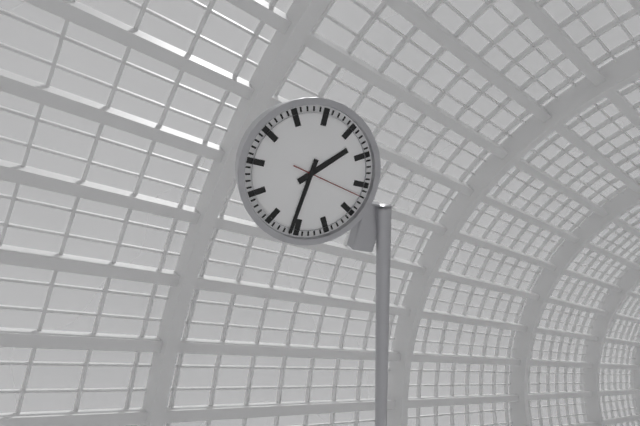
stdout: 1 h 31 min 17 s
